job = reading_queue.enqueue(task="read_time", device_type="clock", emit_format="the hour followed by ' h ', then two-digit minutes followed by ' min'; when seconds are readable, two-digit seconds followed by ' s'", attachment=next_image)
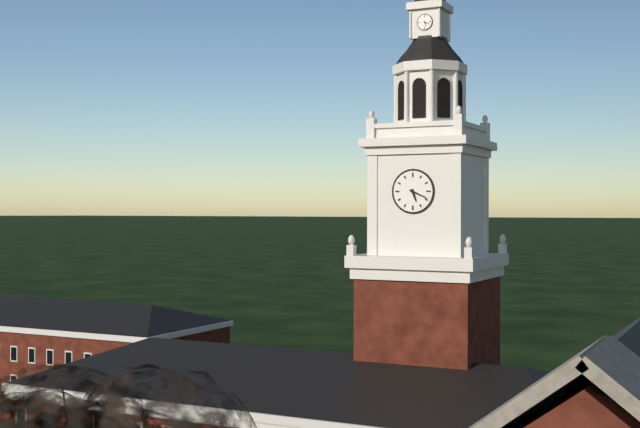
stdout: 5 h 19 min
